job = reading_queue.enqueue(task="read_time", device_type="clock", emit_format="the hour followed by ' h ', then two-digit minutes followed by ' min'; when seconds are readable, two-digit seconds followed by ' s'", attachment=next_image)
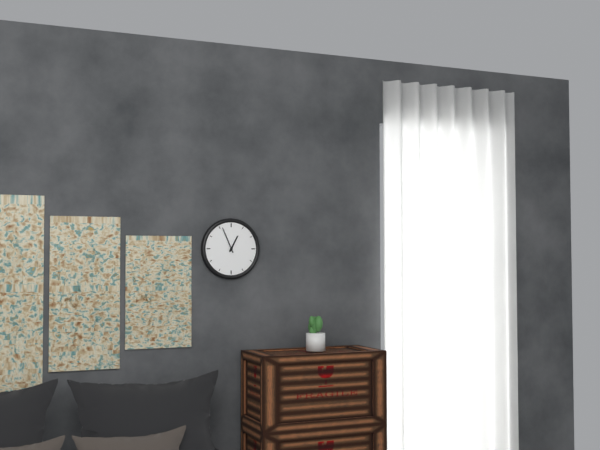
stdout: 12 h 56 min
